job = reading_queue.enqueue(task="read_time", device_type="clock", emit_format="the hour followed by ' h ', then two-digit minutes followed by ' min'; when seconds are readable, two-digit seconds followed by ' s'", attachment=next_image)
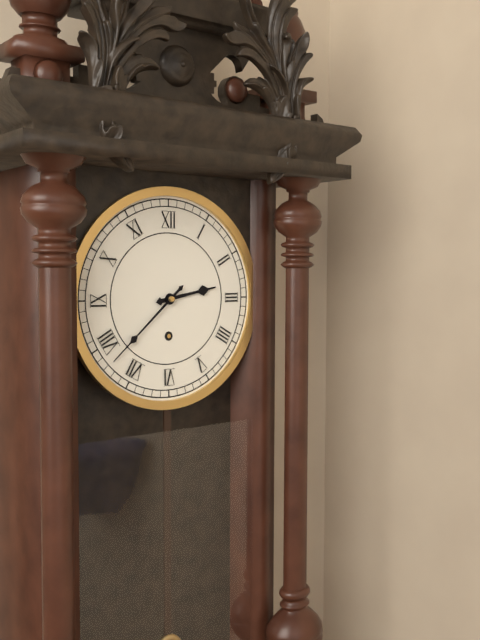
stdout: 2 h 38 min
